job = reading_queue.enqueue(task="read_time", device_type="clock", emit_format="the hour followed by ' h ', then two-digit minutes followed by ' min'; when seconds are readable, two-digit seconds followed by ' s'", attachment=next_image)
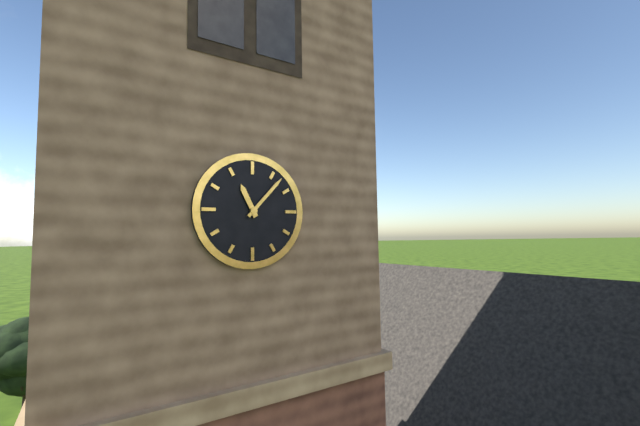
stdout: 11 h 07 min
